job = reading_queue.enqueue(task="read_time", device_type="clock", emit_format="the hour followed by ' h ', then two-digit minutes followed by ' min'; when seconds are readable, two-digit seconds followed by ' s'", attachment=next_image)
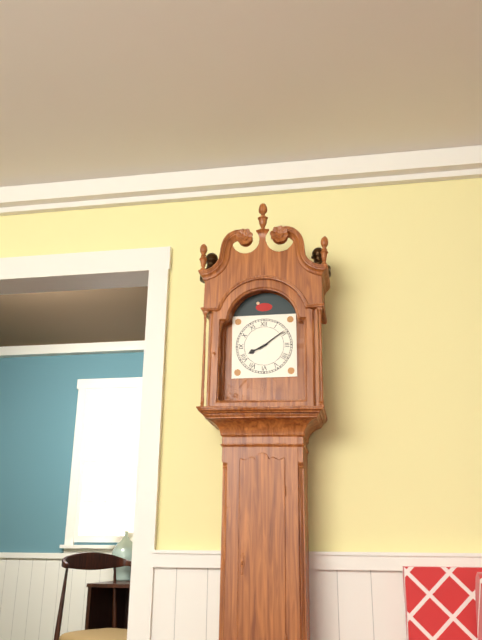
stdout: 8 h 09 min
